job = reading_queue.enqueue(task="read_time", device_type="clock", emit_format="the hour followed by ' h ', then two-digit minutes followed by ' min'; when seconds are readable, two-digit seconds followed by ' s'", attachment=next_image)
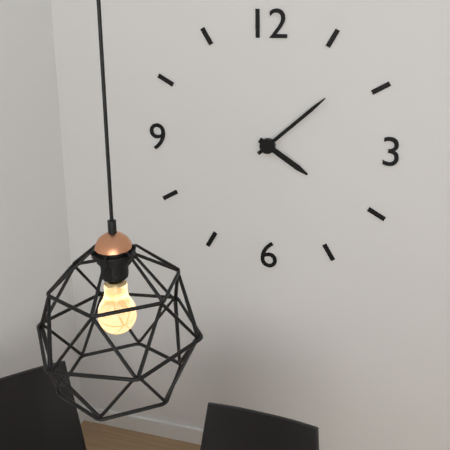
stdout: 4 h 08 min
